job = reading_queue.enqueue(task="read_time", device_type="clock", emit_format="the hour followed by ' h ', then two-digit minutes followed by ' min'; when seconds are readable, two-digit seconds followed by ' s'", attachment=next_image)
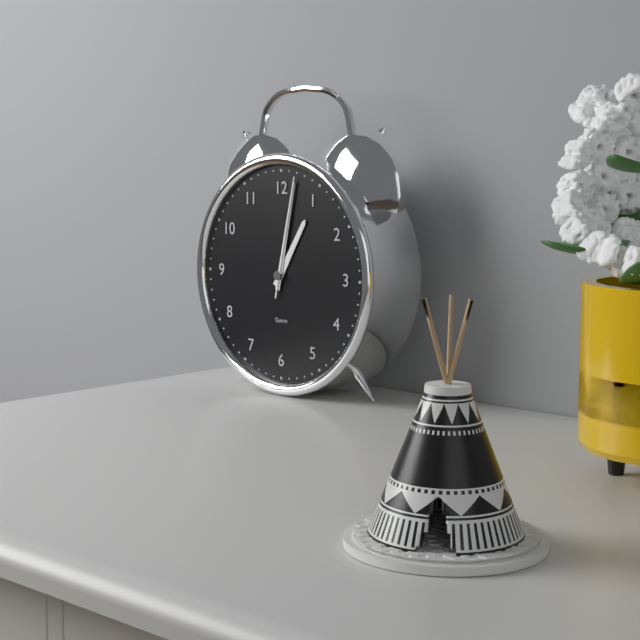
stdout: 1 h 02 min 02 s
